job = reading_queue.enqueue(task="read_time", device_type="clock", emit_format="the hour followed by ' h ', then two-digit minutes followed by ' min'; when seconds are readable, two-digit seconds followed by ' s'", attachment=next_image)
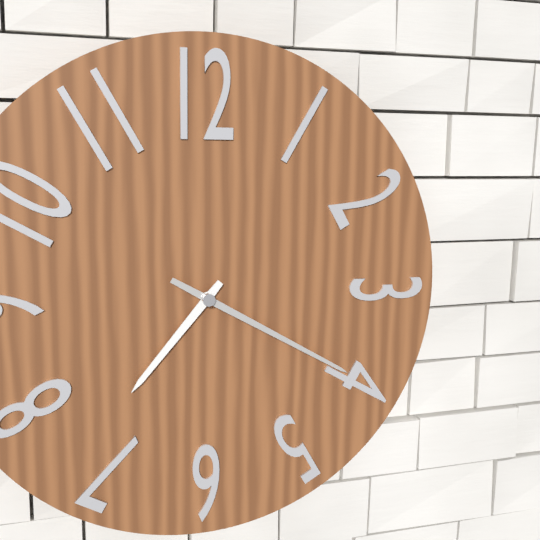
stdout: 7 h 20 min
